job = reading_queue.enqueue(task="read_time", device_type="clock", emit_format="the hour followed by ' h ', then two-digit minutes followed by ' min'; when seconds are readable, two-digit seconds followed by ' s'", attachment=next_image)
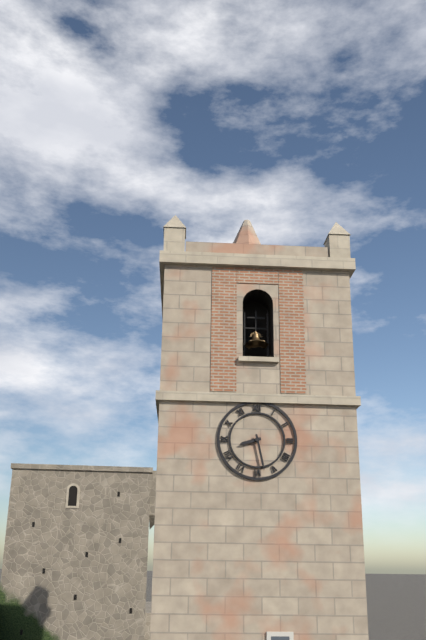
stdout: 8 h 28 min
